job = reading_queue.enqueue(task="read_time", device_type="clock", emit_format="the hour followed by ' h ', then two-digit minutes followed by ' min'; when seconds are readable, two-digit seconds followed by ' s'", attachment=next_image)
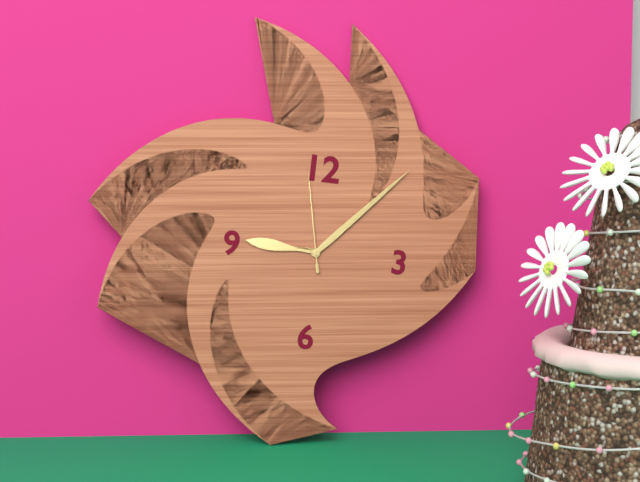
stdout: 9 h 07 min 58 s
